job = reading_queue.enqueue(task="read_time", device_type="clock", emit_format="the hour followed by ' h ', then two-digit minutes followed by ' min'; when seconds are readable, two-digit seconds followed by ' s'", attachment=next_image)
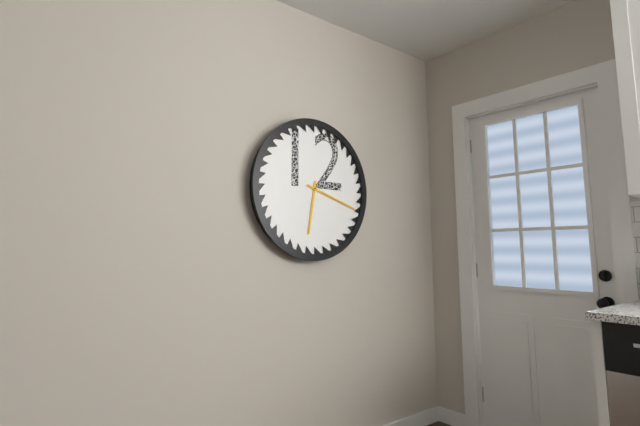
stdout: 6 h 18 min
